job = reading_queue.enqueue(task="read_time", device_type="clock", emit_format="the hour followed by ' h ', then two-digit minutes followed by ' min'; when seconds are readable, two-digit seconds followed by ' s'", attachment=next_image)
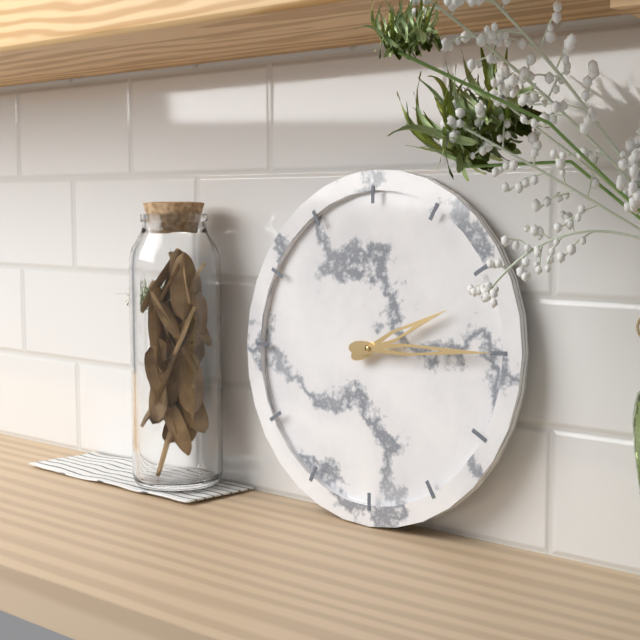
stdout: 2 h 15 min
